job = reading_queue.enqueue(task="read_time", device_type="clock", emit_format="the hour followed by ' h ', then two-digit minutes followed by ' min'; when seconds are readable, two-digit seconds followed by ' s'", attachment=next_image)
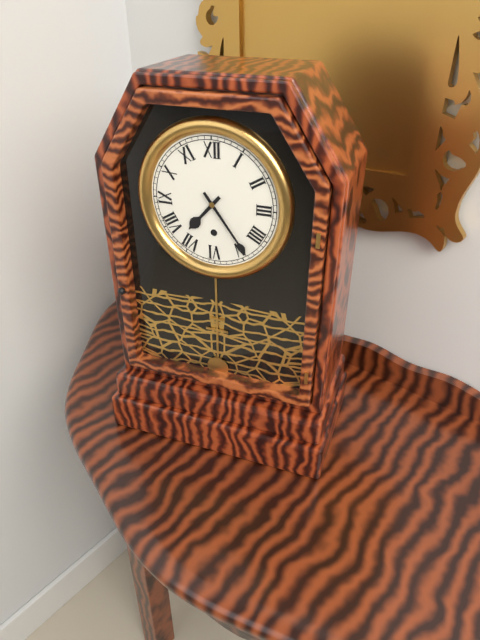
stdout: 7 h 24 min
